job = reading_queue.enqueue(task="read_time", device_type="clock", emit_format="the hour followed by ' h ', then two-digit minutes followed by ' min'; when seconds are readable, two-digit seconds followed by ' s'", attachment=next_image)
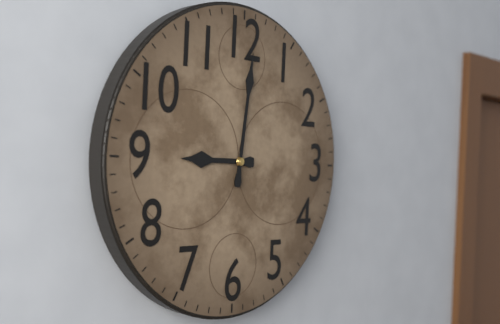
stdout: 9 h 01 min
